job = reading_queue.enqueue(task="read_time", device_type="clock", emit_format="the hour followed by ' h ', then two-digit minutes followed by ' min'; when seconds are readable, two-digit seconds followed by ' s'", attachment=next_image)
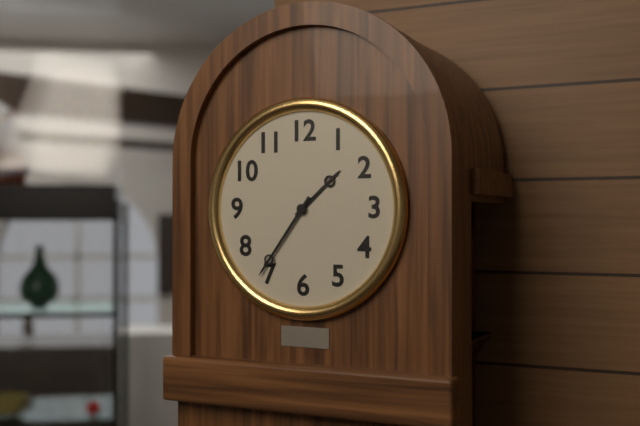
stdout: 1 h 36 min
